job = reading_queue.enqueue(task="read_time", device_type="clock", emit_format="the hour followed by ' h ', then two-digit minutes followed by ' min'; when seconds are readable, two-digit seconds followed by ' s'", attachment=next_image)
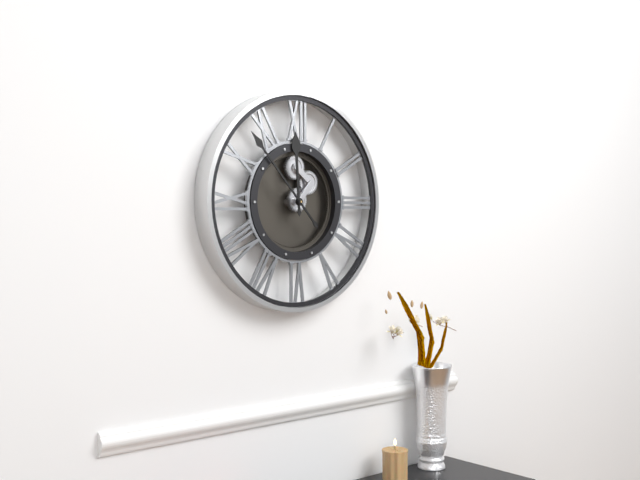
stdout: 11 h 53 min
